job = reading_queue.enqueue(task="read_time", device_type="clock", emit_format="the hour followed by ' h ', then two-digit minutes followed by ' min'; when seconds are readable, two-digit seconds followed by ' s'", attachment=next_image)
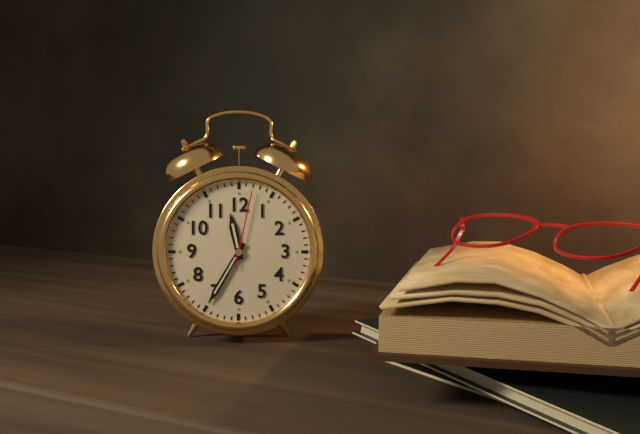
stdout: 11 h 35 min 02 s
